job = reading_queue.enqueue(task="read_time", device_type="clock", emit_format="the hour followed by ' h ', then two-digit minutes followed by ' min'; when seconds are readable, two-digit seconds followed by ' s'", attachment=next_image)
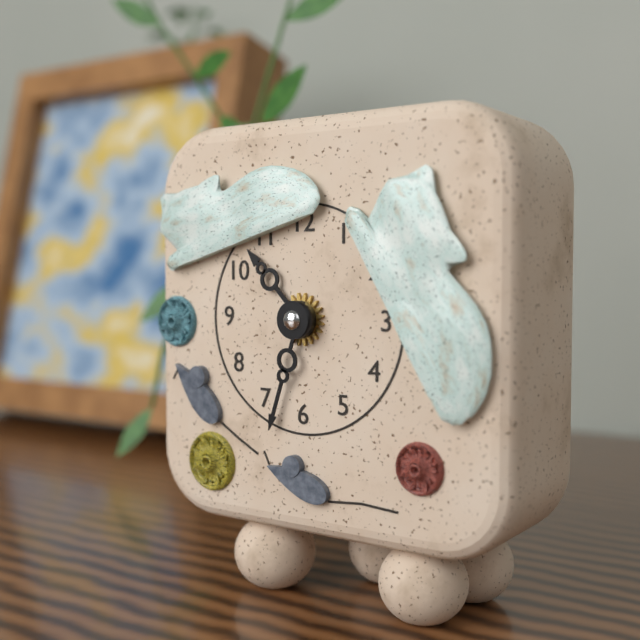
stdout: 10 h 33 min
